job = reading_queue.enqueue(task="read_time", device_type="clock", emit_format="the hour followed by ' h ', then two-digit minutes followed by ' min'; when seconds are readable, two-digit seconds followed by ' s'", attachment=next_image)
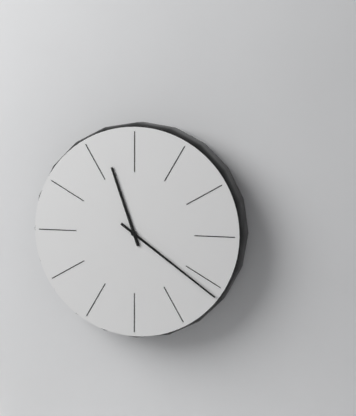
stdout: 11 h 21 min
